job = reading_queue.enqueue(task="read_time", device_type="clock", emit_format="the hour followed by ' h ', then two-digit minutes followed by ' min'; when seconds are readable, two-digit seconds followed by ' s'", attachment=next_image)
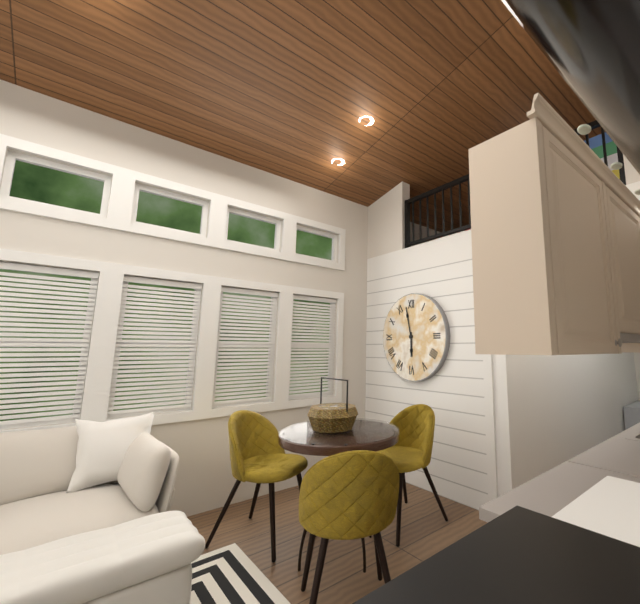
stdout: 5 h 58 min
